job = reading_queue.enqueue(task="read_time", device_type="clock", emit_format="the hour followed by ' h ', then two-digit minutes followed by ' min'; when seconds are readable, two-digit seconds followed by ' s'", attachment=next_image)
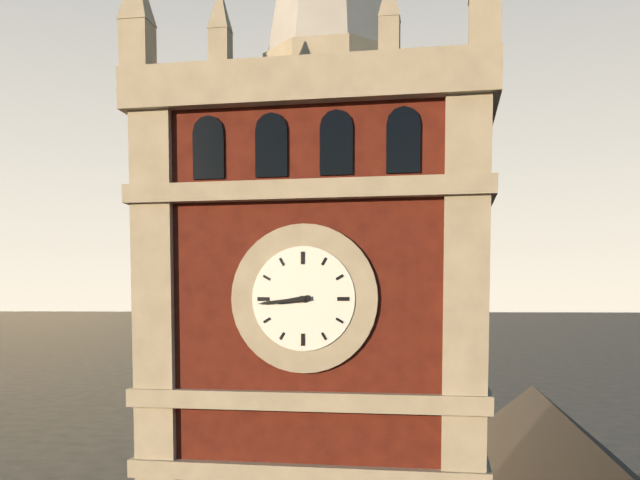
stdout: 8 h 44 min
